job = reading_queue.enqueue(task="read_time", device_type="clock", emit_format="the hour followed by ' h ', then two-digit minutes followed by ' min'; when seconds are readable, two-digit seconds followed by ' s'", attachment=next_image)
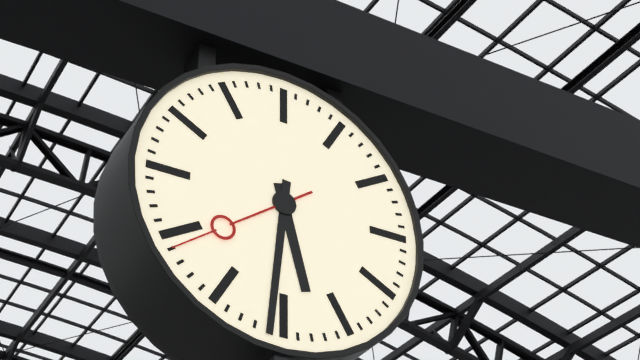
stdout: 5 h 31 min 39 s
